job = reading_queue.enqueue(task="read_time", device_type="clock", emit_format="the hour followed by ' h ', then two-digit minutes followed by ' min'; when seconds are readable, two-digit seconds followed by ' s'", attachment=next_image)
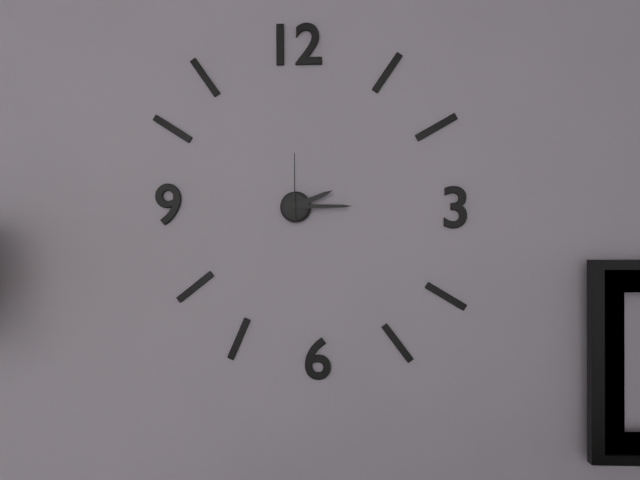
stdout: 2 h 15 min 00 s
